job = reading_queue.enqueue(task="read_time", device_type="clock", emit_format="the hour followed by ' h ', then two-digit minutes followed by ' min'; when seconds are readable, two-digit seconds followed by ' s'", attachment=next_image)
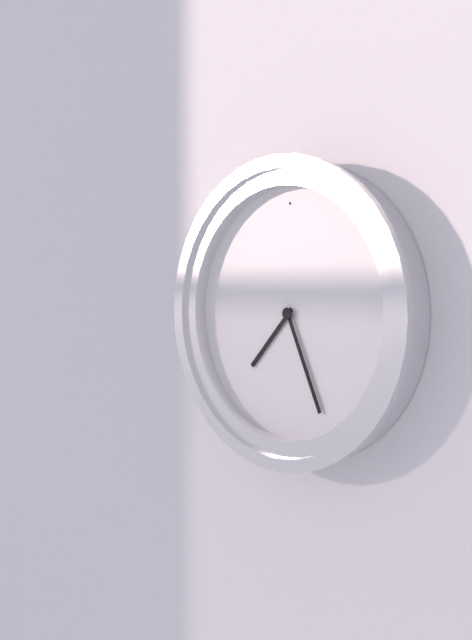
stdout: 7 h 26 min
